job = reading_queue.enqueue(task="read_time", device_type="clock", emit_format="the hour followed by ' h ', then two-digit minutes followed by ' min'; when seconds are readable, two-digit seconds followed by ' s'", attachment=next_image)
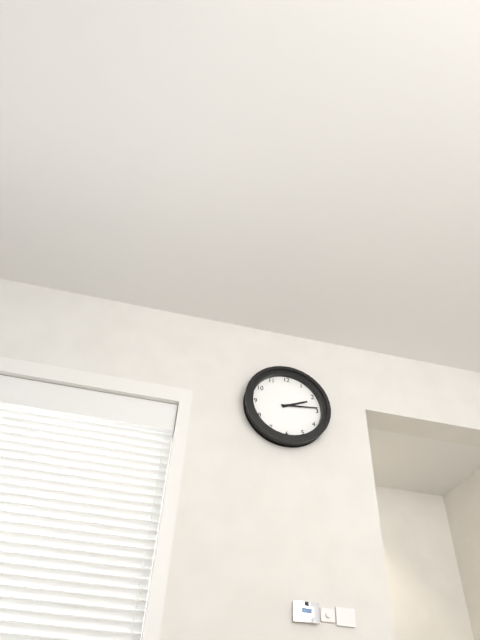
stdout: 2 h 14 min
